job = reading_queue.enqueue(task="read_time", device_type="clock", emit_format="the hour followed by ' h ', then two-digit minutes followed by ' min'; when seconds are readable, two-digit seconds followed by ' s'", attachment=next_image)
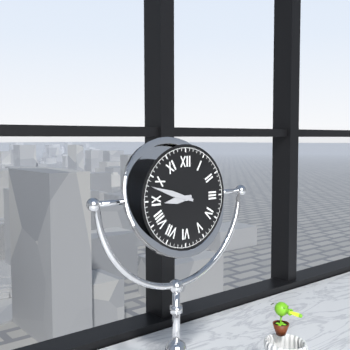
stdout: 8 h 48 min
